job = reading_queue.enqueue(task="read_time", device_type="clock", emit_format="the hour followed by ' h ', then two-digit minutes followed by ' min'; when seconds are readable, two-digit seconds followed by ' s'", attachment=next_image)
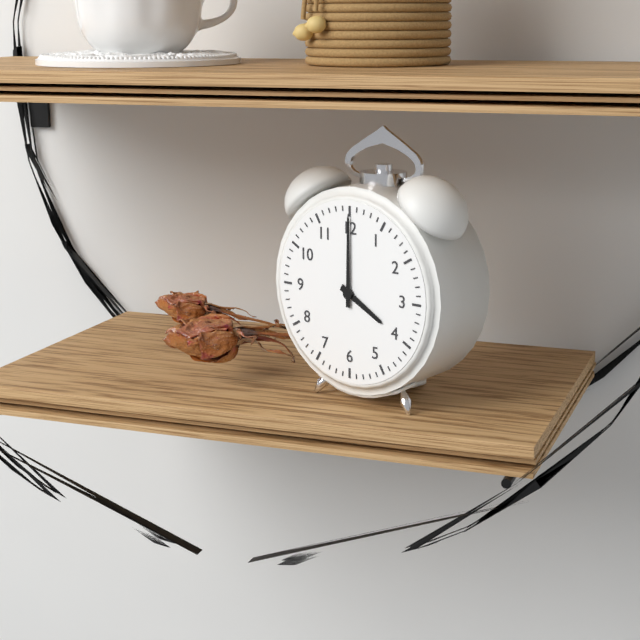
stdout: 4 h 00 min
